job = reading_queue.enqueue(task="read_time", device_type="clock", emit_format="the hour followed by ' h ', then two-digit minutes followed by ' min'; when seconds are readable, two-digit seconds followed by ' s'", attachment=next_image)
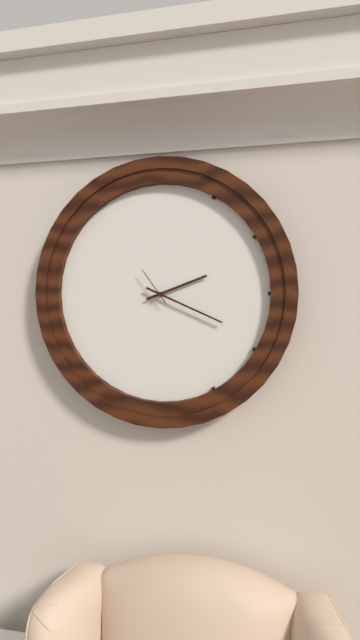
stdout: 2 h 19 min
